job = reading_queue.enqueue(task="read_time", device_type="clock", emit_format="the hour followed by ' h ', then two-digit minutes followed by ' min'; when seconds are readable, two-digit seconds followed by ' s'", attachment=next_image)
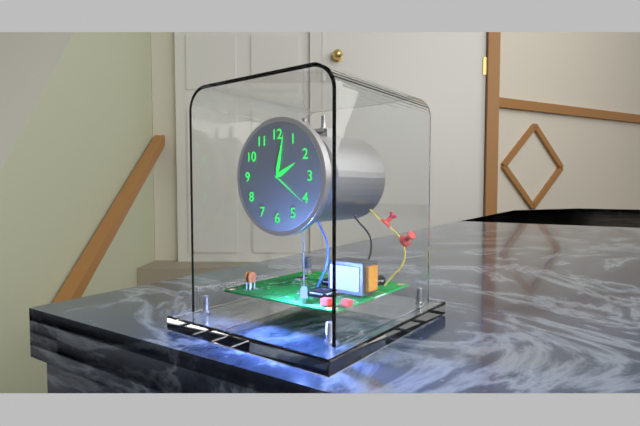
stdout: 2 h 02 min
